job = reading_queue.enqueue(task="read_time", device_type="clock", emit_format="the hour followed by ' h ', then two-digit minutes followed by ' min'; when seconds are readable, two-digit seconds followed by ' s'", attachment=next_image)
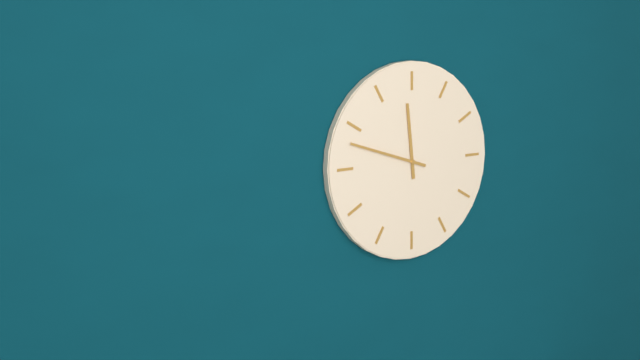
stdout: 11 h 48 min
